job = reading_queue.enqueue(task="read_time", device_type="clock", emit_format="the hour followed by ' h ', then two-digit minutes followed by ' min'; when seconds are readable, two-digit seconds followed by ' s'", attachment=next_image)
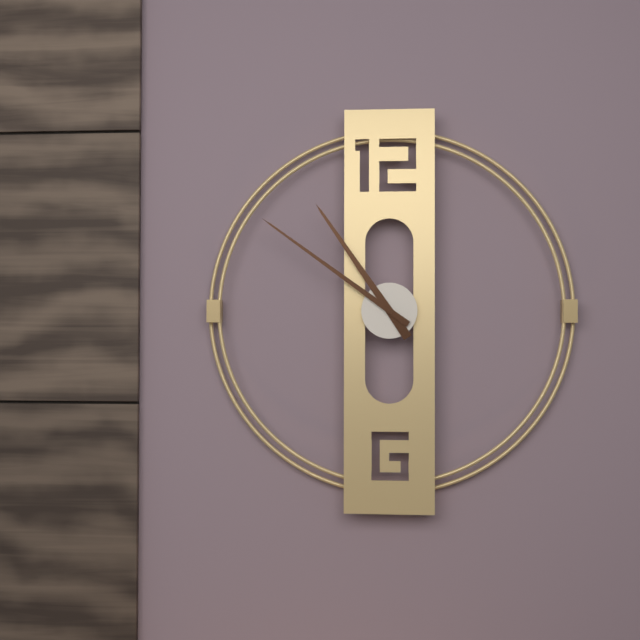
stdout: 10 h 51 min
